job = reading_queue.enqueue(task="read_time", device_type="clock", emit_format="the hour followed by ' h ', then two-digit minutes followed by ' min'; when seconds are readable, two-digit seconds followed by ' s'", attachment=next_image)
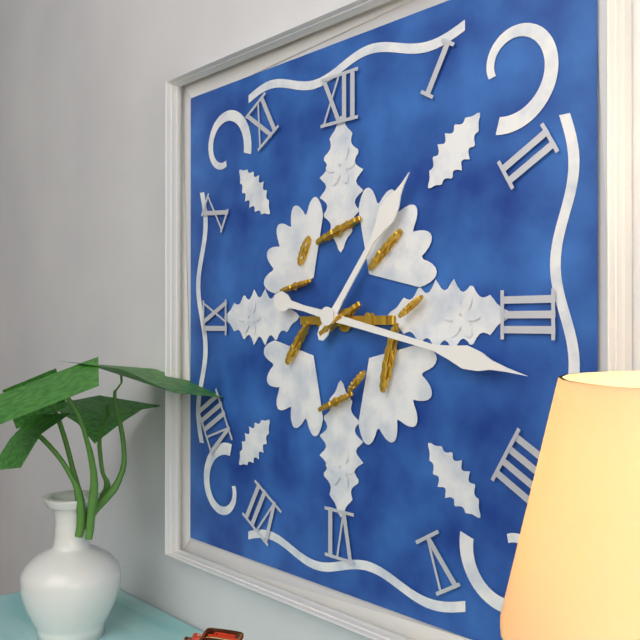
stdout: 1 h 17 min
